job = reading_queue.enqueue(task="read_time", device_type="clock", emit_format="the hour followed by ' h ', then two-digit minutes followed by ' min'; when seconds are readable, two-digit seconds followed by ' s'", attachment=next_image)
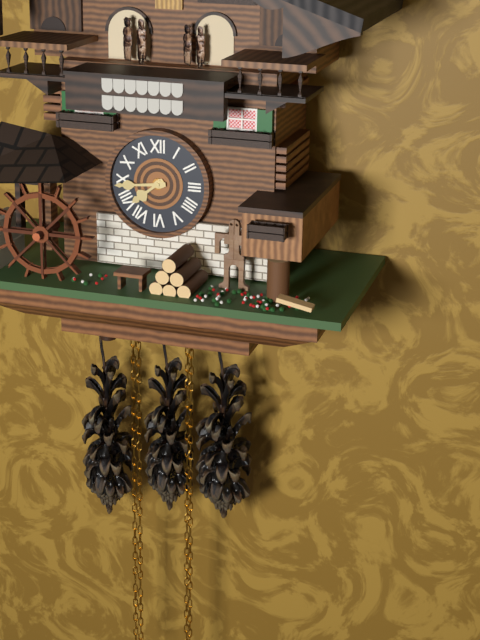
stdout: 7 h 44 min
